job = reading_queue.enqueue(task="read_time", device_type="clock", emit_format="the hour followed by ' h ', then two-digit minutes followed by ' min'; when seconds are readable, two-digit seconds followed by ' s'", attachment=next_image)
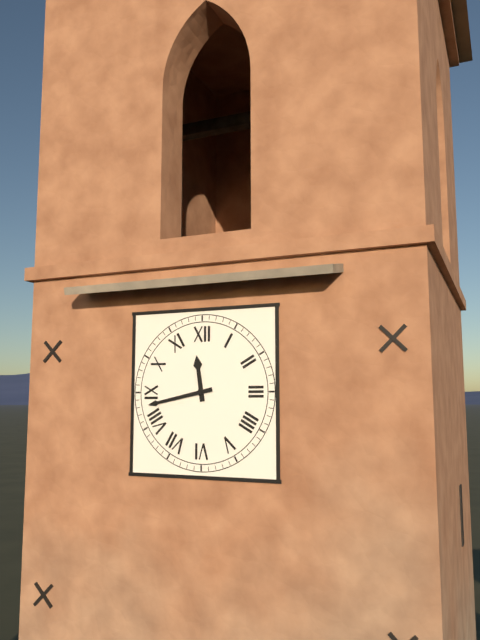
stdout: 11 h 43 min
